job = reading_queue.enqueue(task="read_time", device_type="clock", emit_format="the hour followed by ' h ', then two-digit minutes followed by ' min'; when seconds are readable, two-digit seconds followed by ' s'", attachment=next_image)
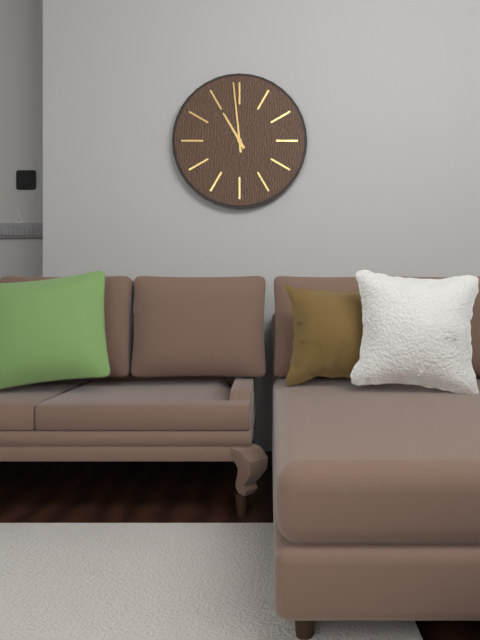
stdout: 10 h 59 min
